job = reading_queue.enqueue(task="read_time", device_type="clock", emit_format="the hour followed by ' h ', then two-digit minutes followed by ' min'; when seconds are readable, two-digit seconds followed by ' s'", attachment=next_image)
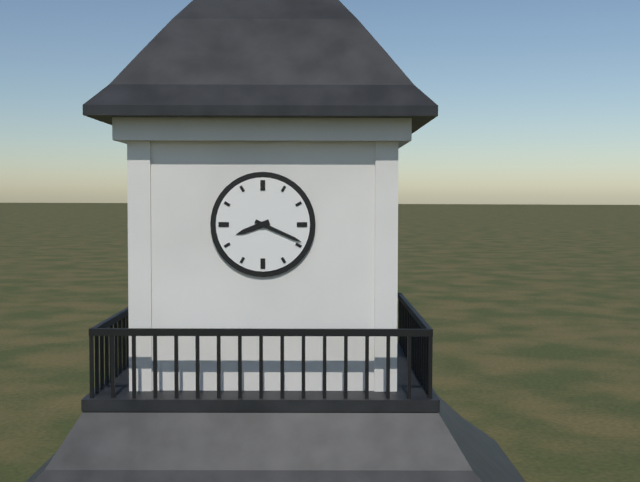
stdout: 8 h 19 min
